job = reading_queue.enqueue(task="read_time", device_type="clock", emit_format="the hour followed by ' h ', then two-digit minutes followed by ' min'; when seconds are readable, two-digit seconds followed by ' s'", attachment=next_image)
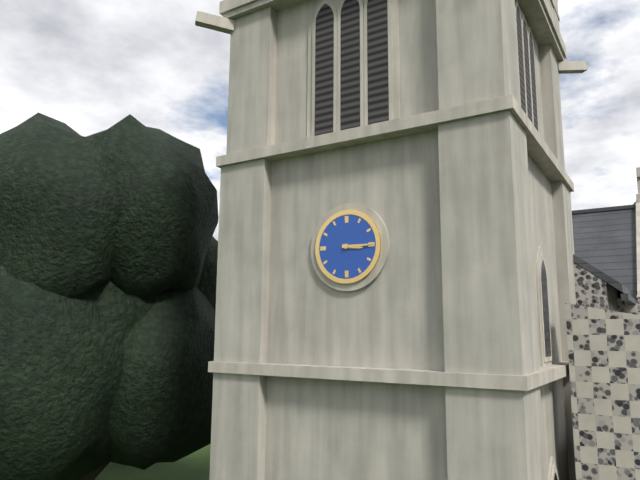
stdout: 3 h 15 min
